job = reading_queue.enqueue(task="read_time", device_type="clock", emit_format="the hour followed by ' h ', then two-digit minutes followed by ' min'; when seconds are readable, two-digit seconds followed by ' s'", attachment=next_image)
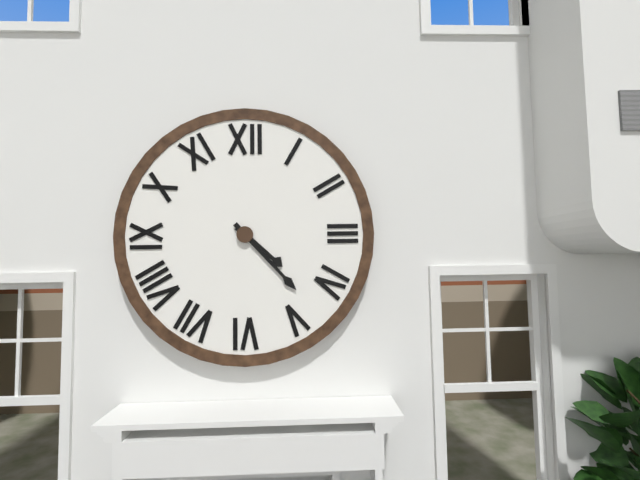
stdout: 4 h 23 min
